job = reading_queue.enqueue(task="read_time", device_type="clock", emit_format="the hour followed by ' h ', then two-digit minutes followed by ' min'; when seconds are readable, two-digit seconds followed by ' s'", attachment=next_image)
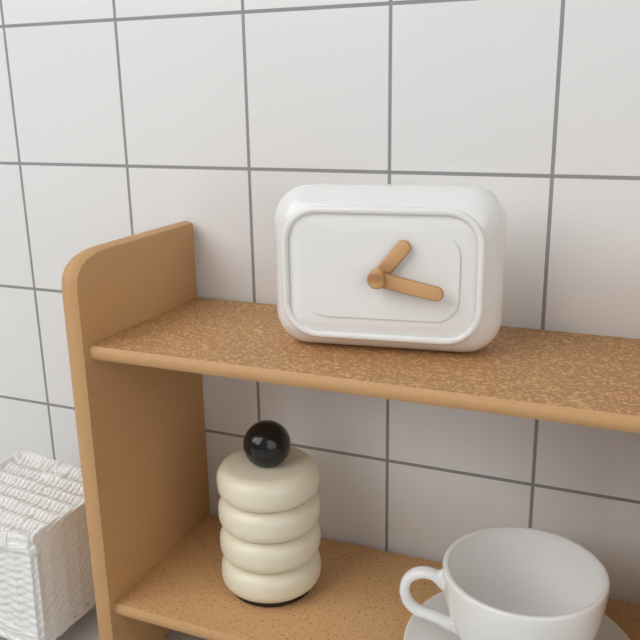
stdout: 1 h 17 min
